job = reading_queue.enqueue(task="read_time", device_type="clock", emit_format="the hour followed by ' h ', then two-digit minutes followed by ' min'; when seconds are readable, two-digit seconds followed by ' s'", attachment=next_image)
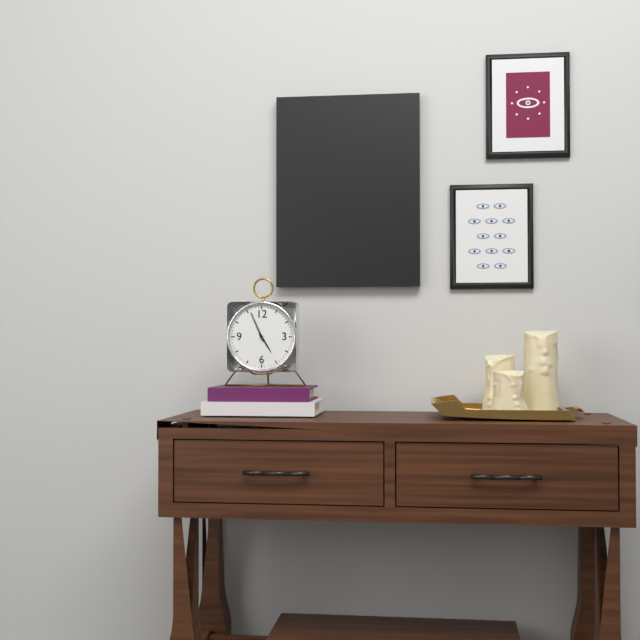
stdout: 4 h 56 min
